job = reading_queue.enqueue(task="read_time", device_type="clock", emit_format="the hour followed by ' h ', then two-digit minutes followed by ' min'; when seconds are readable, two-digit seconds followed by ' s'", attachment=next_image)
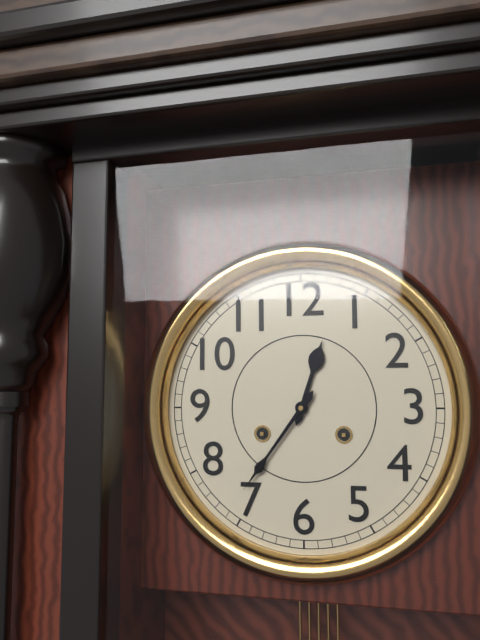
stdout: 12 h 36 min
